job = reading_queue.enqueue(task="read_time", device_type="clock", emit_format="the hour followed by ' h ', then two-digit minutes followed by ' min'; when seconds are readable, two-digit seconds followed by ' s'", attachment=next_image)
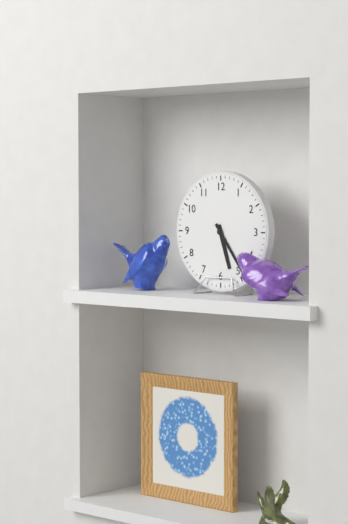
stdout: 5 h 24 min
